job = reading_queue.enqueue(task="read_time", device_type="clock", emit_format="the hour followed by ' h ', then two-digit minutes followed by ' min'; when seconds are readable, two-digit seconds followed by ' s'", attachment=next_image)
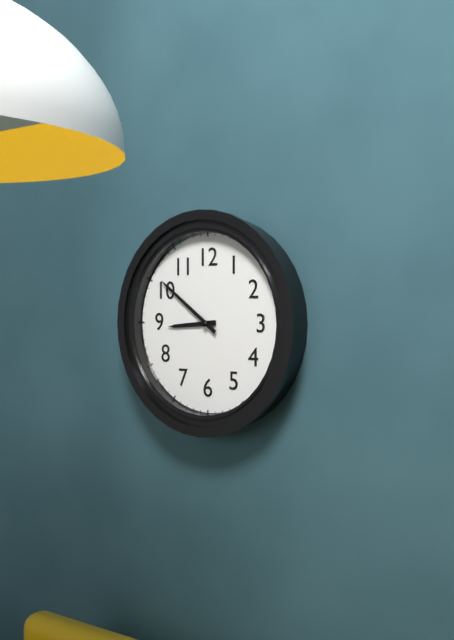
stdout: 8 h 51 min
